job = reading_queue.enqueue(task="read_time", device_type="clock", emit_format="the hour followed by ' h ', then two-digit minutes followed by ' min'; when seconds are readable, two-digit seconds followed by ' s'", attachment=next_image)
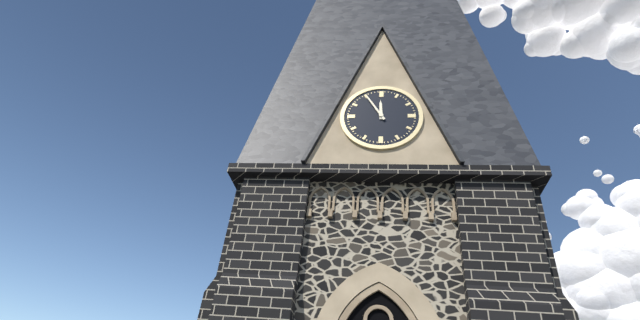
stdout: 11 h 55 min
